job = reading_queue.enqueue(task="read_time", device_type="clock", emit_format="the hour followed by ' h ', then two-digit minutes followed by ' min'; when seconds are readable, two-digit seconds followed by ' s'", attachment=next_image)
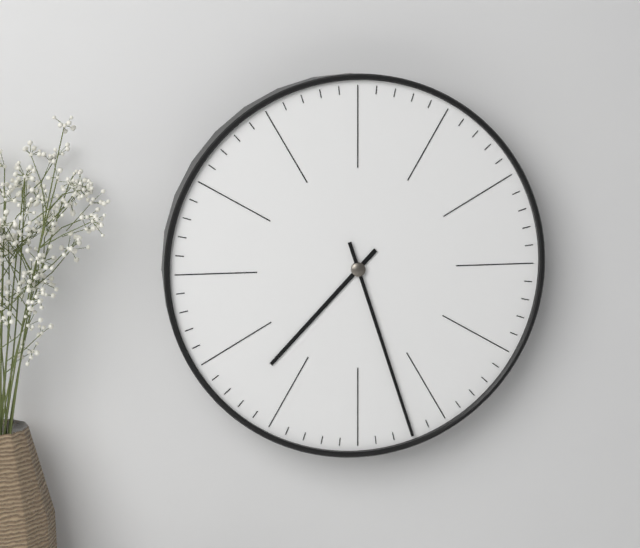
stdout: 7 h 27 min
